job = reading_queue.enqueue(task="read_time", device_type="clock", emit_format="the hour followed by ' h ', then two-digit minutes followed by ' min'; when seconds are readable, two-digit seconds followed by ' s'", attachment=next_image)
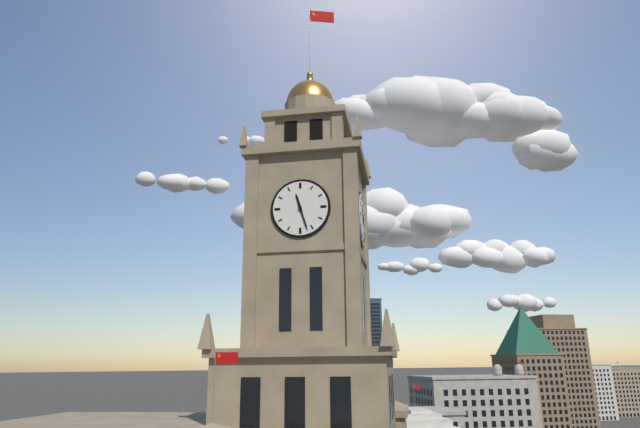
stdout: 11 h 27 min
